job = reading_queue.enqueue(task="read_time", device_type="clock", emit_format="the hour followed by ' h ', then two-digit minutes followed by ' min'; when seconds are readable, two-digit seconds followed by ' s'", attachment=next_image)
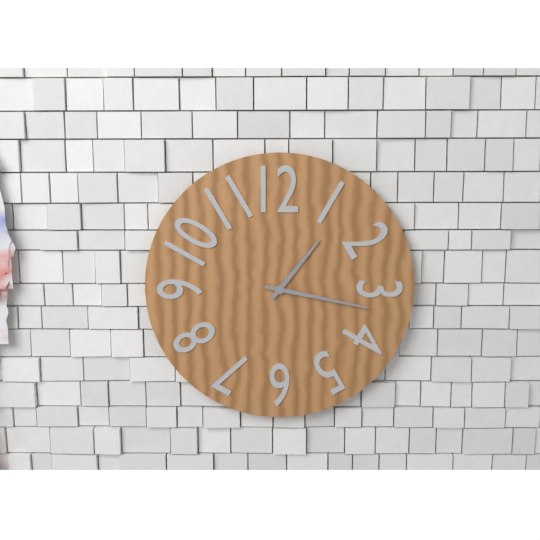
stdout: 1 h 17 min
